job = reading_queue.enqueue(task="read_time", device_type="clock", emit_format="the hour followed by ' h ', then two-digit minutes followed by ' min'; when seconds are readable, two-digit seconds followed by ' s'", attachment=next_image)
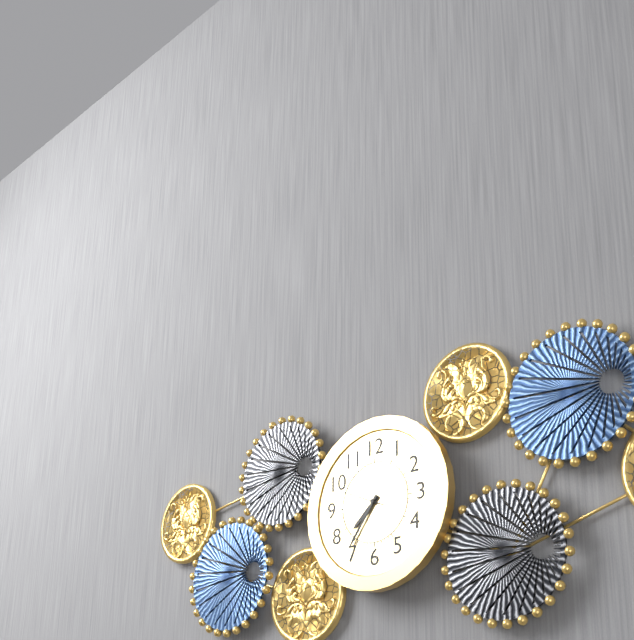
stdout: 7 h 36 min 49 s
